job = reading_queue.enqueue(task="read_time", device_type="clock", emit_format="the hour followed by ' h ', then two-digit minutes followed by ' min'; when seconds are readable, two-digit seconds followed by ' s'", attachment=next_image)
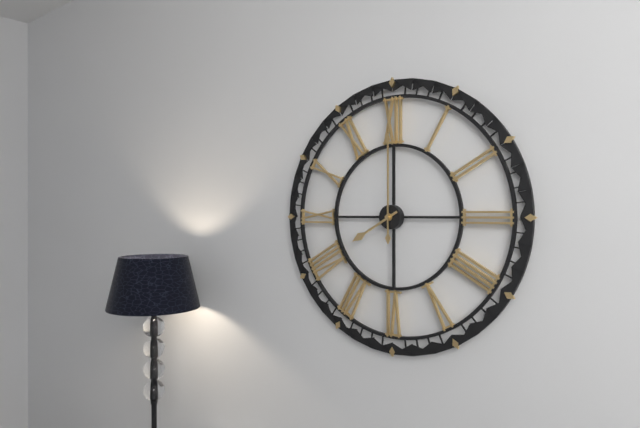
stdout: 8 h 00 min
